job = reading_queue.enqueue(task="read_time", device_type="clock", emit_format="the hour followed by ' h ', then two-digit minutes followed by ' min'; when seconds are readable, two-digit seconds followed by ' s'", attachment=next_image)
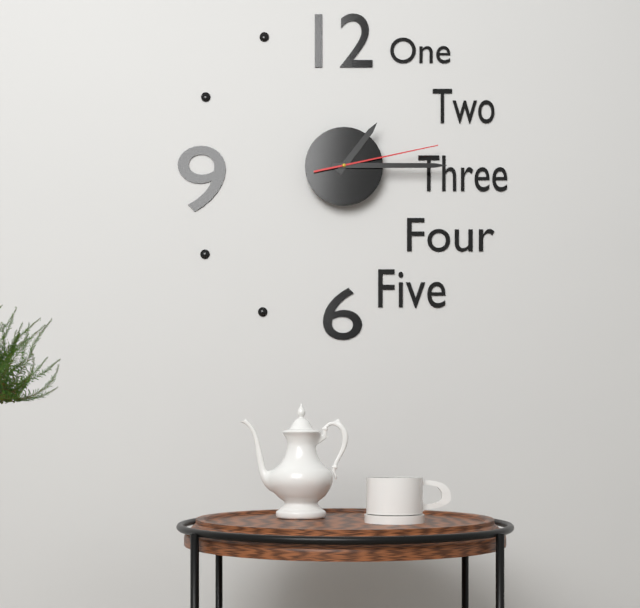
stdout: 1 h 15 min 13 s
